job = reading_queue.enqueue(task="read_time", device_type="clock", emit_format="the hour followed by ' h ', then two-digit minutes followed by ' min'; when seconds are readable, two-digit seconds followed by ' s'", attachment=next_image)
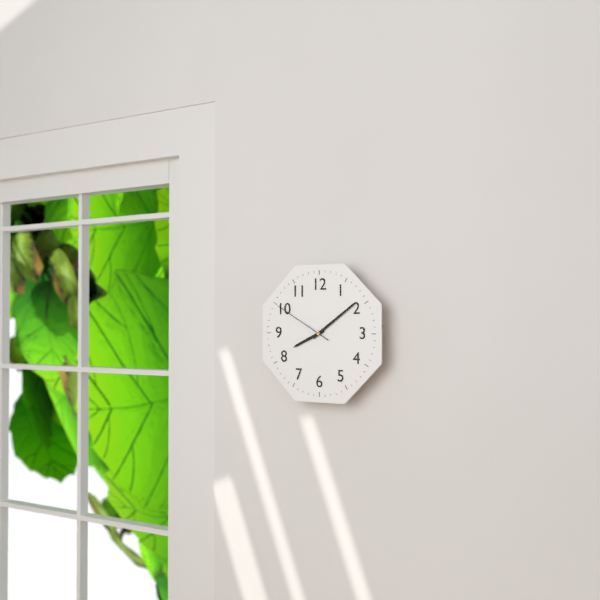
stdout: 8 h 09 min 50 s
